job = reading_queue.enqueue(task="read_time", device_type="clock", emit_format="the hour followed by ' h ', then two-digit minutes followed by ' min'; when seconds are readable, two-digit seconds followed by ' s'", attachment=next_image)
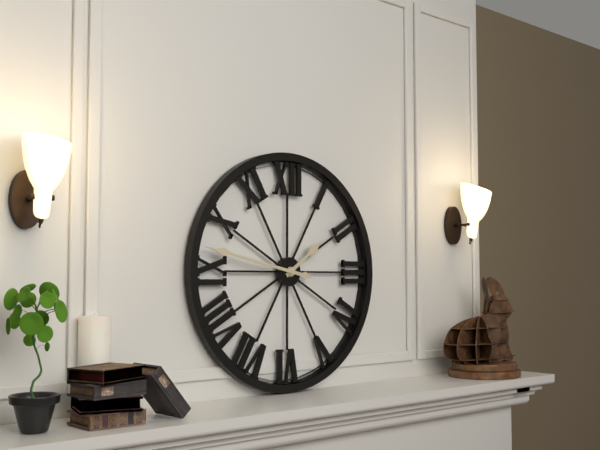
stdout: 1 h 47 min
